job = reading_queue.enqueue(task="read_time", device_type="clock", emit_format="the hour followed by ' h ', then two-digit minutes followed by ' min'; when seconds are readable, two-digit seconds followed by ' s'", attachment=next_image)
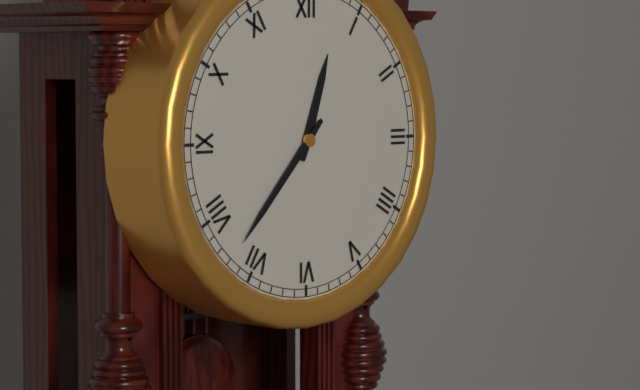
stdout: 12 h 37 min
